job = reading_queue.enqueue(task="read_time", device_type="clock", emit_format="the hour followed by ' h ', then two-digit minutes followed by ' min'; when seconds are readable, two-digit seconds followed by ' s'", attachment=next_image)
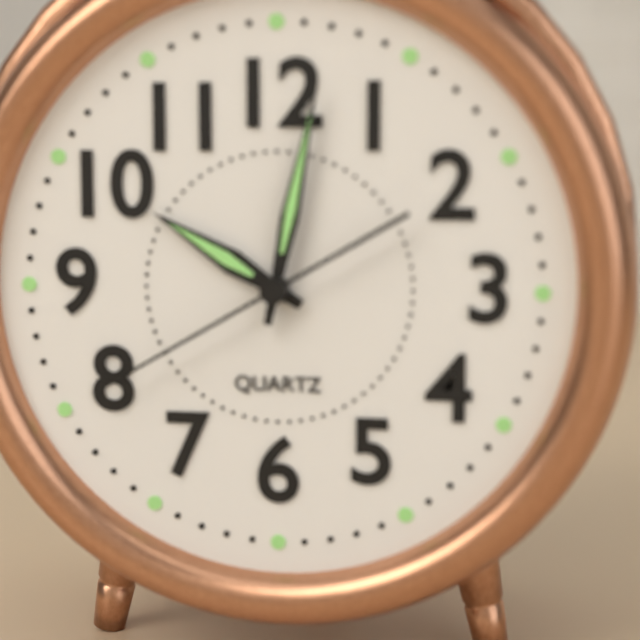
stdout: 10 h 02 min 40 s
